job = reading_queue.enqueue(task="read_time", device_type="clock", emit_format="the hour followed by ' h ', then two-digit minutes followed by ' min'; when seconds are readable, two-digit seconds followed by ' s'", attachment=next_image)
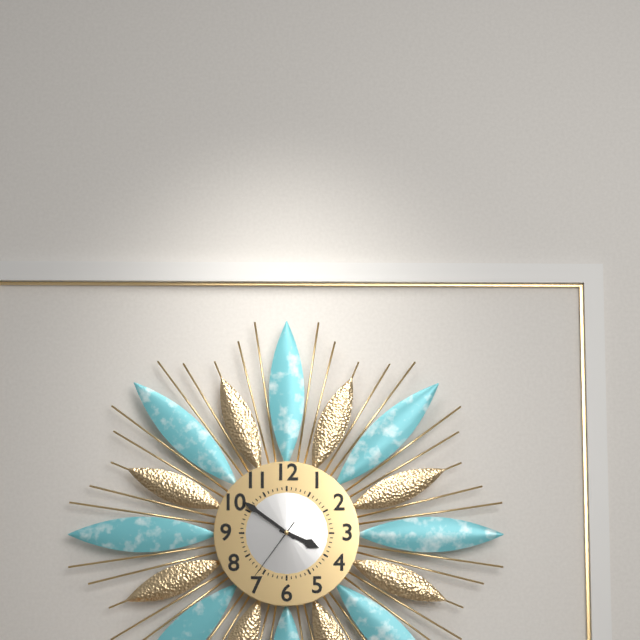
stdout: 3 h 51 min 36 s
